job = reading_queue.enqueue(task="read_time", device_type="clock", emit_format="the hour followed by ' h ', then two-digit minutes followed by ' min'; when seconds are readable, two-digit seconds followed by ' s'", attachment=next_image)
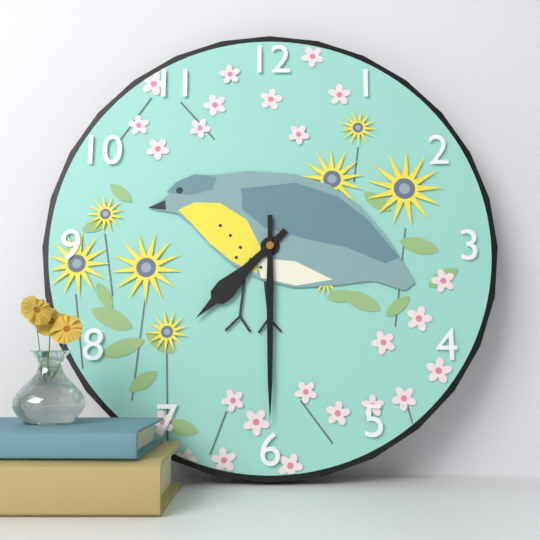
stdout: 7 h 30 min
